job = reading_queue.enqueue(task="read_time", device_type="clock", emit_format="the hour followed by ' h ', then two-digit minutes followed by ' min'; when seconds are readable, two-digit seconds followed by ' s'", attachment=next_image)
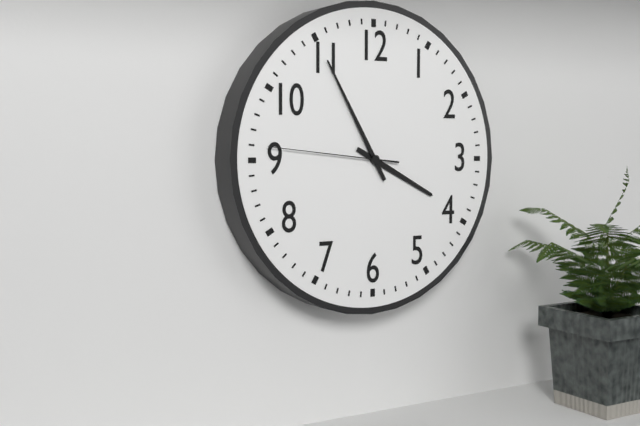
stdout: 3 h 55 min 46 s
